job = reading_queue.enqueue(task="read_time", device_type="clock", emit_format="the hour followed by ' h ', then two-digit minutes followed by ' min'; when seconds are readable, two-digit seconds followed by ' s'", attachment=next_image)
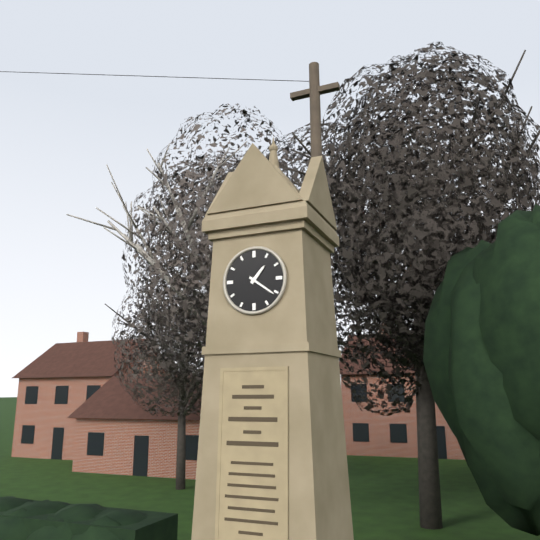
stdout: 1 h 21 min
